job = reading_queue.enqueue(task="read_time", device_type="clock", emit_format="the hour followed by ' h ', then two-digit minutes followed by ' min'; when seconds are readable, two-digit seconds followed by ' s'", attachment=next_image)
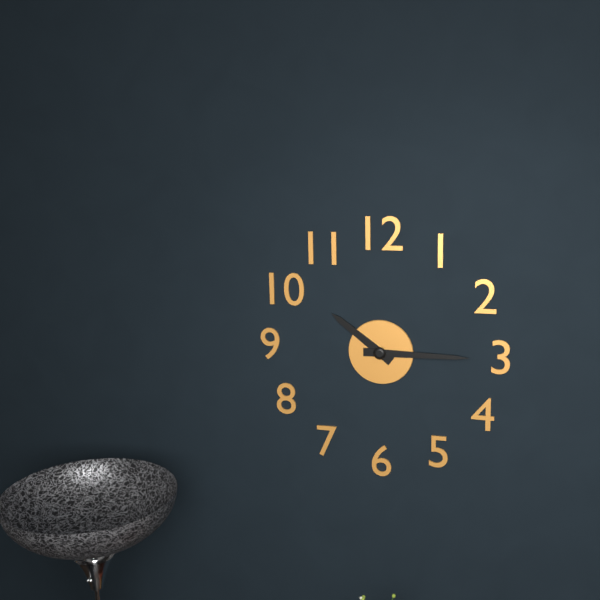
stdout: 10 h 15 min
